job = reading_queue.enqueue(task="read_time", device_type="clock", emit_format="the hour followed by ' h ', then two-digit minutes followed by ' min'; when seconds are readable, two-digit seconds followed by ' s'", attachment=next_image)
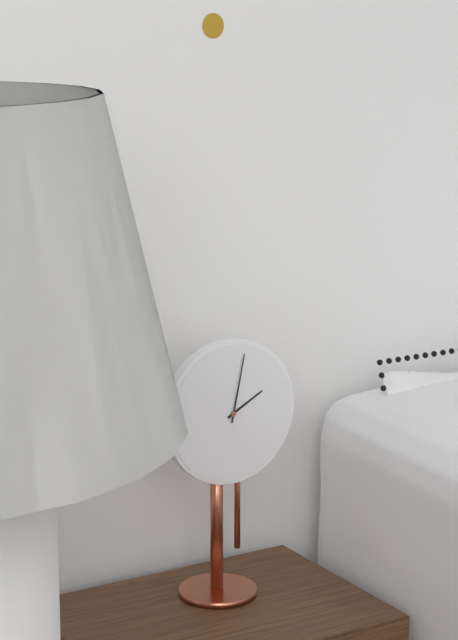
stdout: 2 h 02 min
